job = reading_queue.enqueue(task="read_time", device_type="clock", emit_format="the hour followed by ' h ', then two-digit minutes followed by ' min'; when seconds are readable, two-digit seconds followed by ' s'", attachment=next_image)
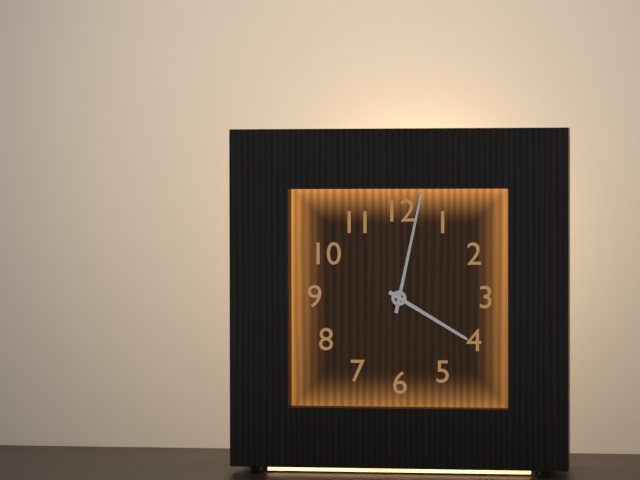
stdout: 4 h 02 min
